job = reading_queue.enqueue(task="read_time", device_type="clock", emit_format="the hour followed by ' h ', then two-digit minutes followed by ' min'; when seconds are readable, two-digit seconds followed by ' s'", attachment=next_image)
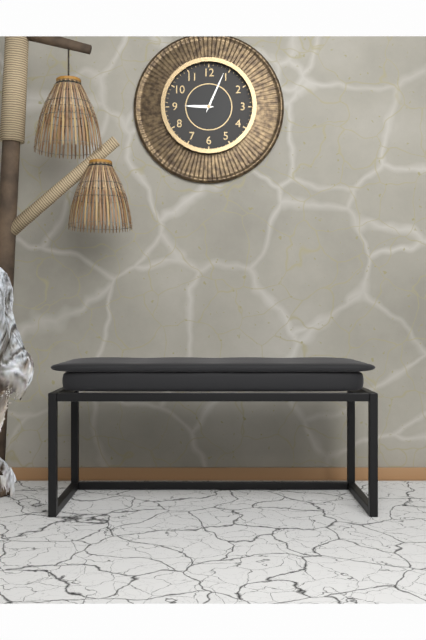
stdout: 9 h 04 min
